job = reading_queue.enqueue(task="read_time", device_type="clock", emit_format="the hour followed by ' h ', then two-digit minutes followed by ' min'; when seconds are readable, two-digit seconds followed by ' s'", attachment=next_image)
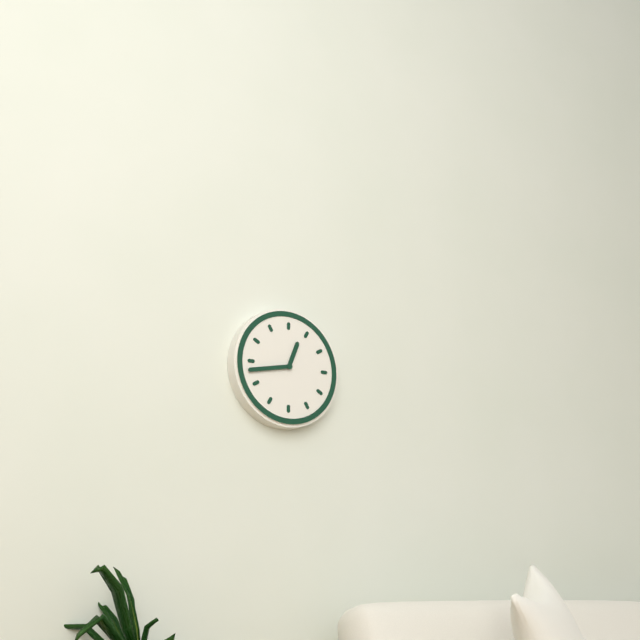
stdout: 12 h 43 min
